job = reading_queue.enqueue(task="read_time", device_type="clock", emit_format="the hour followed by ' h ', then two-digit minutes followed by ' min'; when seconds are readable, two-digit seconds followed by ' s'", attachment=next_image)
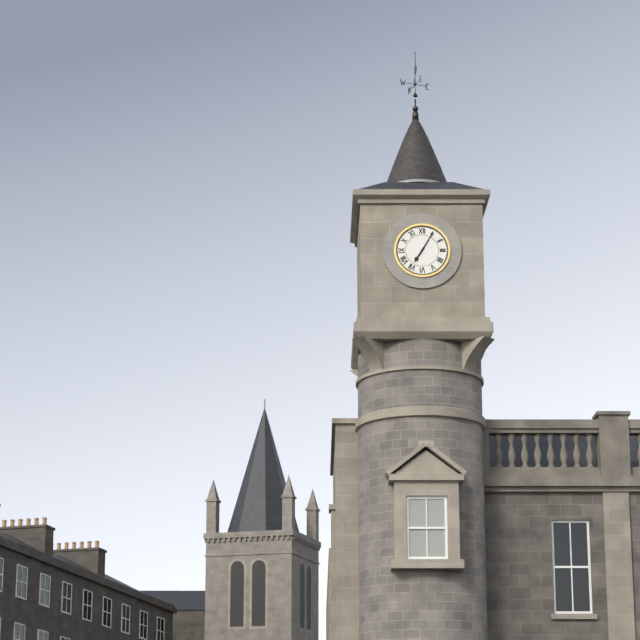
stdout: 7 h 05 min
